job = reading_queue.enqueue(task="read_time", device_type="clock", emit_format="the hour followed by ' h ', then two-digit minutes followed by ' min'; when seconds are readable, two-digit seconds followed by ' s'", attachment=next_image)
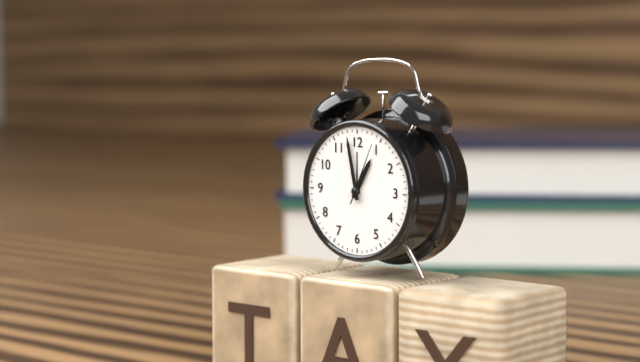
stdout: 12 h 58 min 04 s
